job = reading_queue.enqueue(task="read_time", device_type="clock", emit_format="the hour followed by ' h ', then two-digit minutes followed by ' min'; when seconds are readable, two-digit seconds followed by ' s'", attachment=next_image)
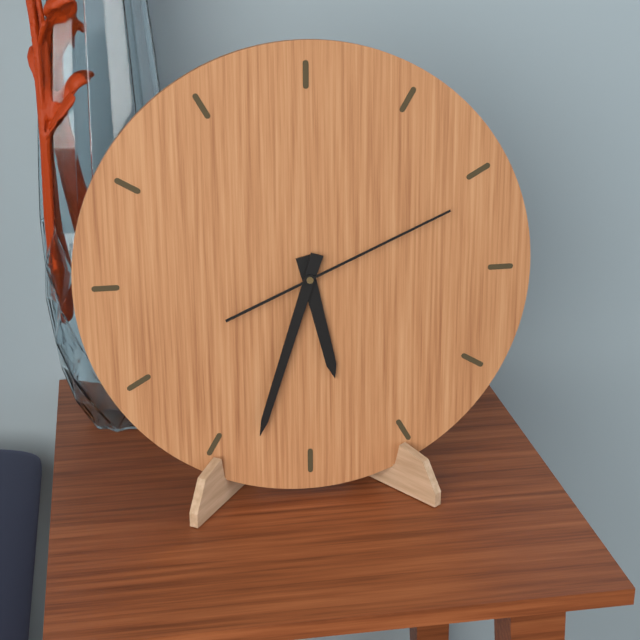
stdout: 5 h 33 min 11 s
